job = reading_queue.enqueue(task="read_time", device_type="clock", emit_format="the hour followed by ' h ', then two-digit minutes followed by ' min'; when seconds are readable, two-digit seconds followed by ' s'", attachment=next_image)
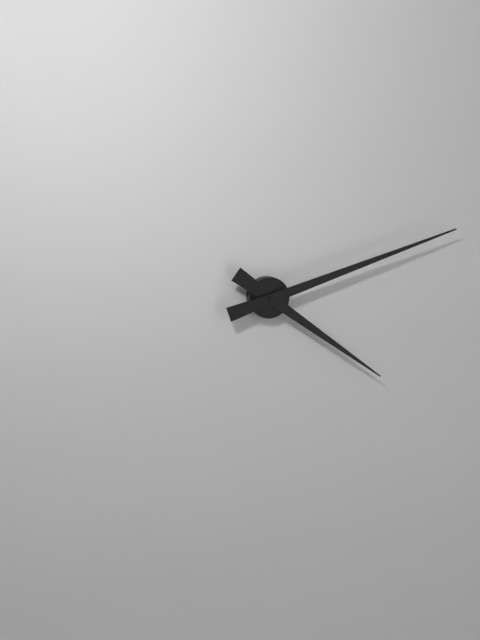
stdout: 4 h 12 min
